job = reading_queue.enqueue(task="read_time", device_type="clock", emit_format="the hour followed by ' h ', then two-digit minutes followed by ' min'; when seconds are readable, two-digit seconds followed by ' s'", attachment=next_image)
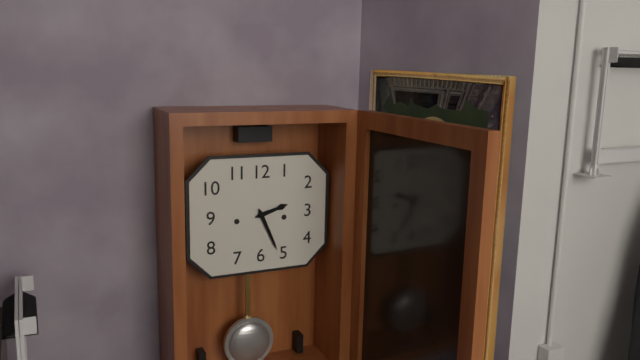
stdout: 2 h 26 min
